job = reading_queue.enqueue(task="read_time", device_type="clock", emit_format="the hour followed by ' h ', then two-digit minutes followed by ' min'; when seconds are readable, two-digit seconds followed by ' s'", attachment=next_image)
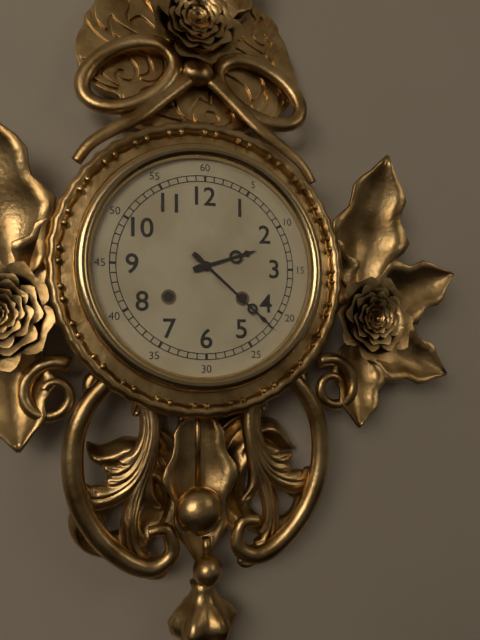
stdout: 2 h 22 min
